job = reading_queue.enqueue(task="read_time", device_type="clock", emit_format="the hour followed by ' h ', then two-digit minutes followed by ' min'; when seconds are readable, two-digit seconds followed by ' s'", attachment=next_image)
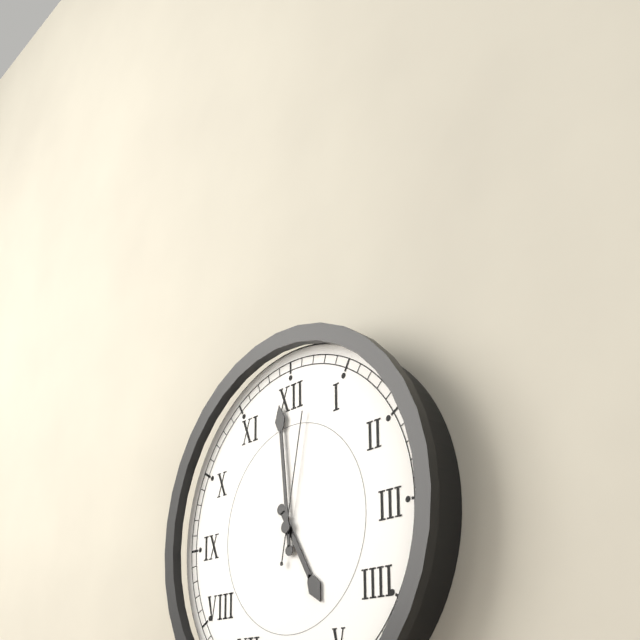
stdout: 4 h 59 min 02 s
